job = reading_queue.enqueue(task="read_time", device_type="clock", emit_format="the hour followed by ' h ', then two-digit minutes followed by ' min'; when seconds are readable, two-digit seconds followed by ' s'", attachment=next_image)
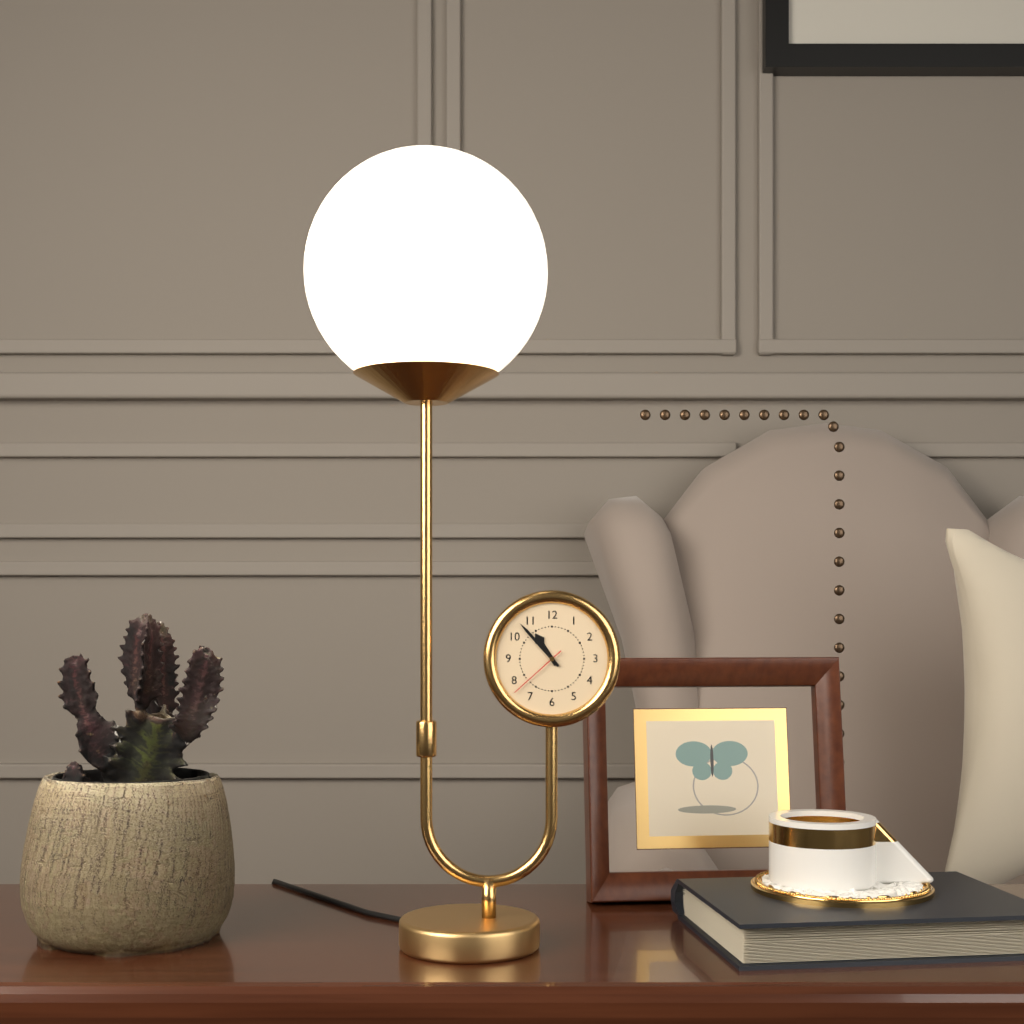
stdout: 10 h 53 min 38 s
